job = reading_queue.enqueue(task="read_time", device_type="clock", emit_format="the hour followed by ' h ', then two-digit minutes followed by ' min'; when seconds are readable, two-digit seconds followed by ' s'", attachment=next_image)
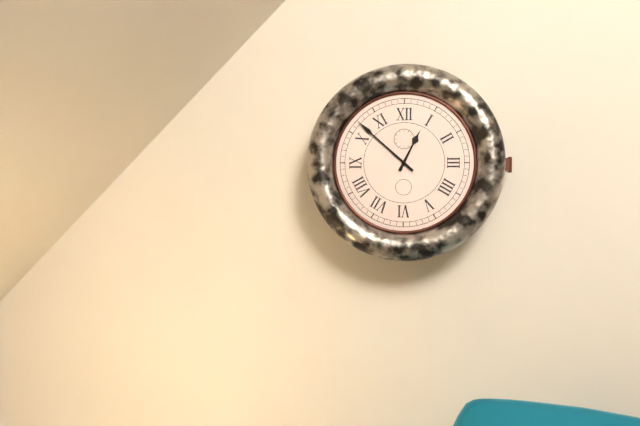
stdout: 12 h 52 min
